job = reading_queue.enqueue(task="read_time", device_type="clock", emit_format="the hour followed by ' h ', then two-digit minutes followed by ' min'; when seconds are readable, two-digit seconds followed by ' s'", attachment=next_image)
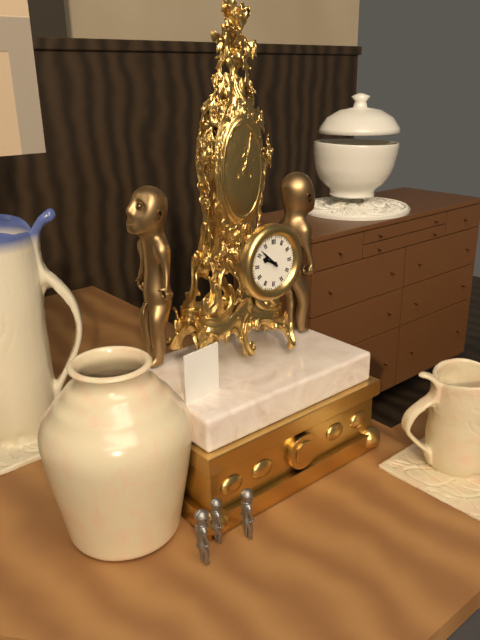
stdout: 9 h 52 min
